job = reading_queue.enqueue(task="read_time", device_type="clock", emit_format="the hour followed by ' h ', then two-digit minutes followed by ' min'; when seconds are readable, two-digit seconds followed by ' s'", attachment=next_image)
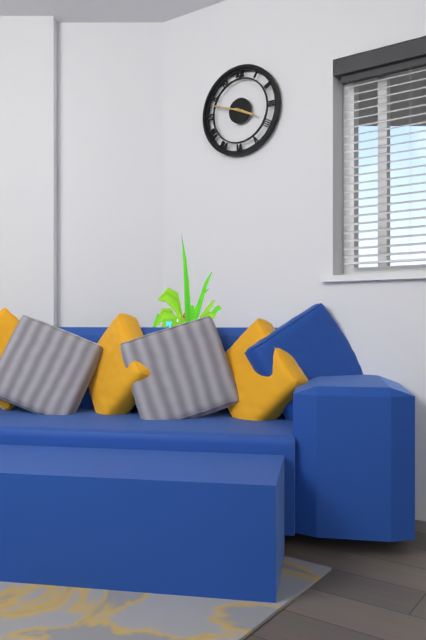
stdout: 3 h 48 min
